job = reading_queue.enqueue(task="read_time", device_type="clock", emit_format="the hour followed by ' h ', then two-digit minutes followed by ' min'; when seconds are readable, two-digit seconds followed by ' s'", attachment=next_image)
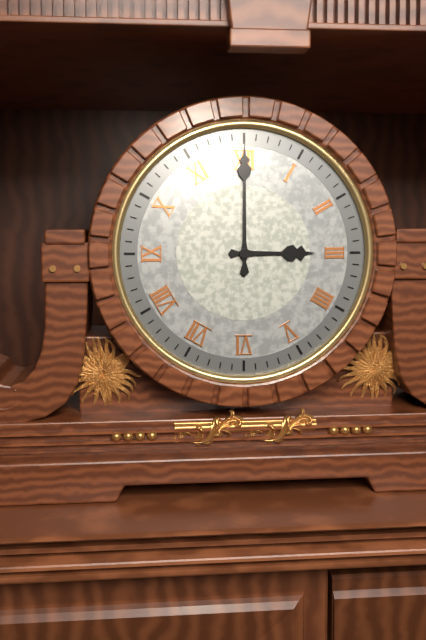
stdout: 3 h 00 min
